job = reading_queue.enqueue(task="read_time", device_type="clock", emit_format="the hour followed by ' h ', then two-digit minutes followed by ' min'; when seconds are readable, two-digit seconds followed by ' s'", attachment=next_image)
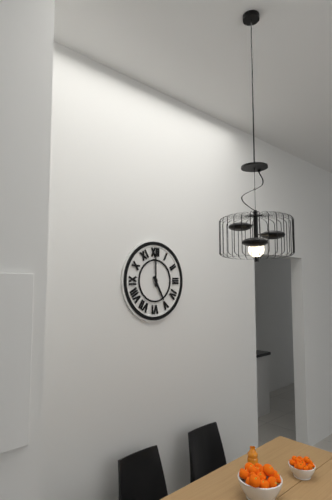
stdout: 5 h 00 min
